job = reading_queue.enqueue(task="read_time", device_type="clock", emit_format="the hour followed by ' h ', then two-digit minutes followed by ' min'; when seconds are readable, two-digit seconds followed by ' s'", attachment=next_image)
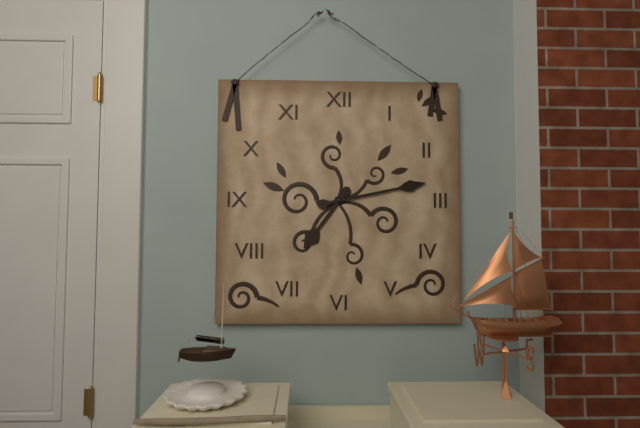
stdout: 7 h 13 min
